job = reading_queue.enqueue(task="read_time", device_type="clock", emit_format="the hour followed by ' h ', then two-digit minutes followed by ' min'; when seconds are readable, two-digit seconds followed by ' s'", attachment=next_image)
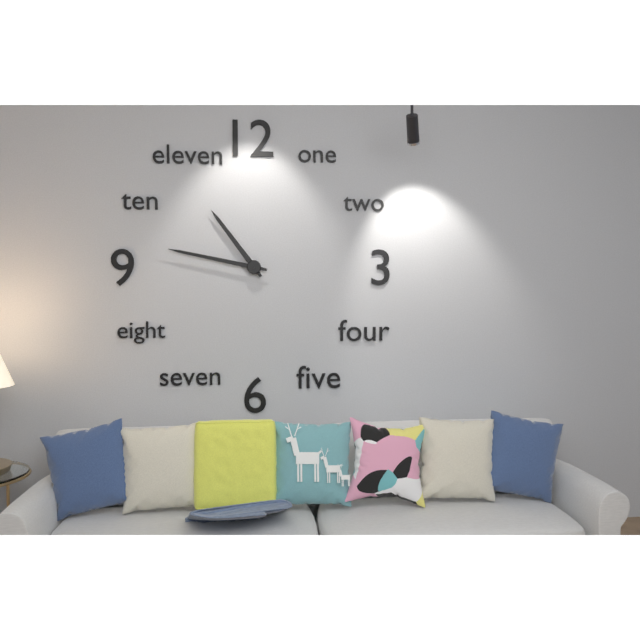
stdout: 10 h 47 min
